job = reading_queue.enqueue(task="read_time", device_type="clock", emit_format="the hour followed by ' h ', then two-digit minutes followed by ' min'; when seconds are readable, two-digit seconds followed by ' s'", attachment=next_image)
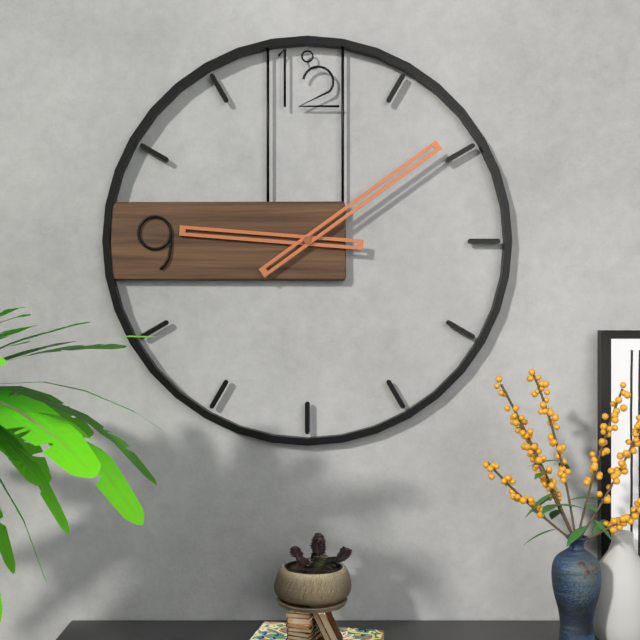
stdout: 9 h 09 min
